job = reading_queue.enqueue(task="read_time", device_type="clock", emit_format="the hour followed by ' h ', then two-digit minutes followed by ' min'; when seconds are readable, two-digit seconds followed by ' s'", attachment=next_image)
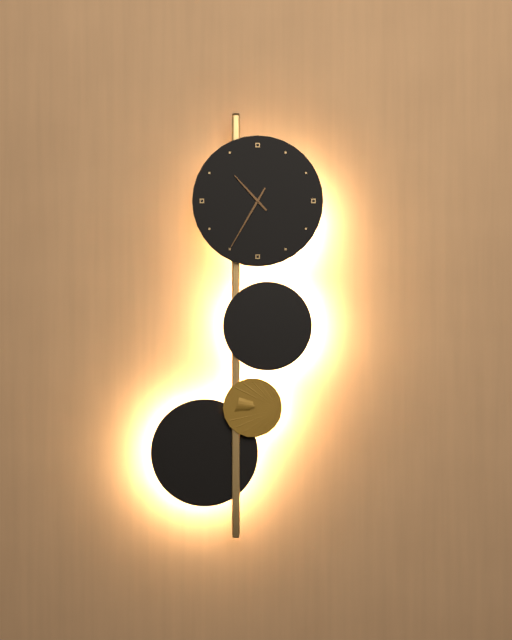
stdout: 10 h 35 min
